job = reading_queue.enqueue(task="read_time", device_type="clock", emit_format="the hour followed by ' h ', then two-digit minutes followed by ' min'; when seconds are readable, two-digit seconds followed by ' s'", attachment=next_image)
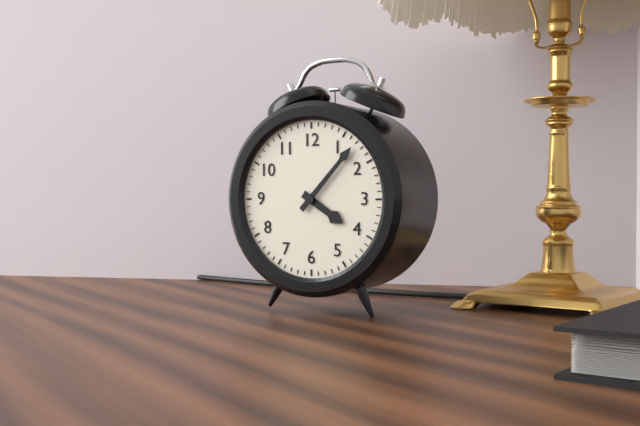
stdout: 4 h 07 min
